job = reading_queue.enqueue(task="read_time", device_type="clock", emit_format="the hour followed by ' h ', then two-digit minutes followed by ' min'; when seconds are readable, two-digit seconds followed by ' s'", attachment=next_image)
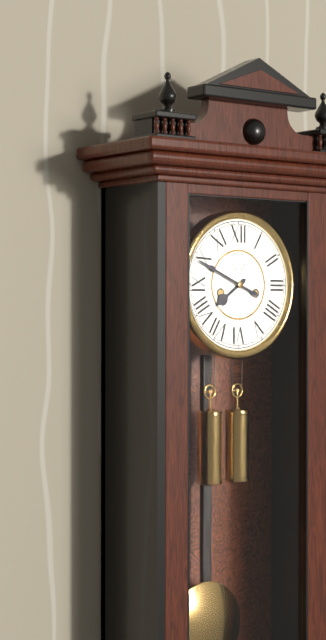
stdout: 7 h 49 min
